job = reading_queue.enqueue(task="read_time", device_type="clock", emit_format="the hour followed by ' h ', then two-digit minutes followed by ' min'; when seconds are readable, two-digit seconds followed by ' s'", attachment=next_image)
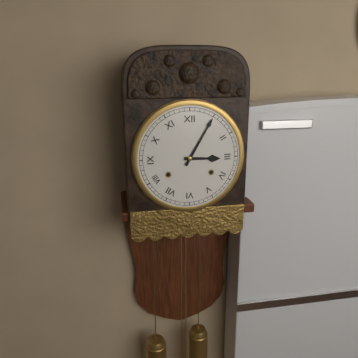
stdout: 3 h 05 min
